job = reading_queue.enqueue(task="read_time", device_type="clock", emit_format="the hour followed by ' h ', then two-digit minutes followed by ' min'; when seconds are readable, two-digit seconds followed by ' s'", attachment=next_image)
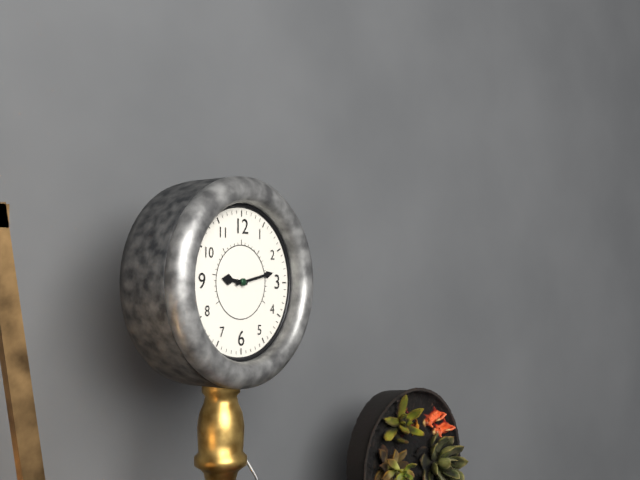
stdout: 9 h 13 min
